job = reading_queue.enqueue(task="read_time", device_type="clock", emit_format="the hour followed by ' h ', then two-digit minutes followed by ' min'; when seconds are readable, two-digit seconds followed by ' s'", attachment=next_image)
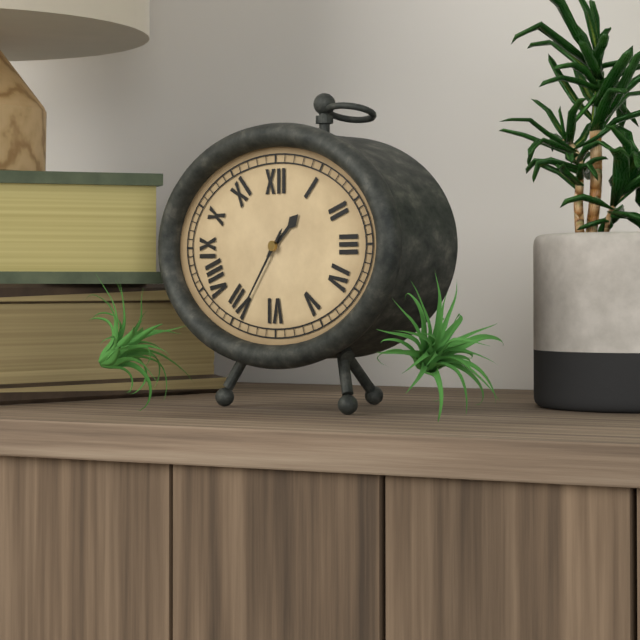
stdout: 1 h 36 min
